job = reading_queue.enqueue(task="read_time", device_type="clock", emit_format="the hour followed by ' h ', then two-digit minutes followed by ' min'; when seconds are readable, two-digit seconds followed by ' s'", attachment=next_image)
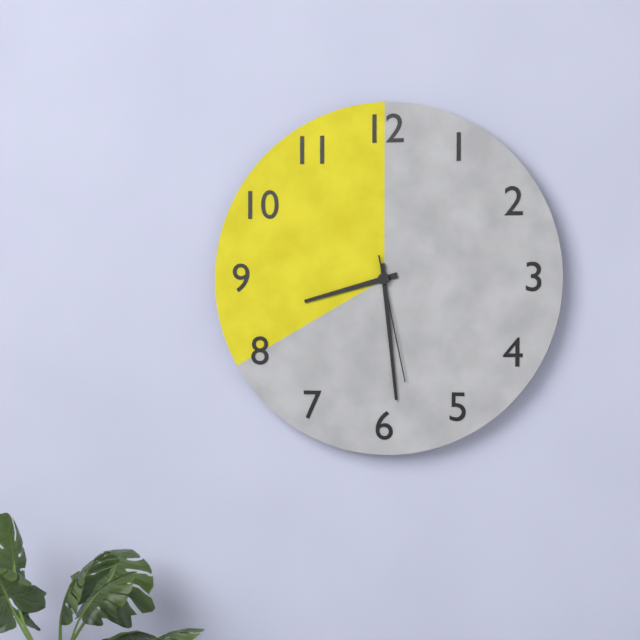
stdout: 8 h 29 min 28 s
